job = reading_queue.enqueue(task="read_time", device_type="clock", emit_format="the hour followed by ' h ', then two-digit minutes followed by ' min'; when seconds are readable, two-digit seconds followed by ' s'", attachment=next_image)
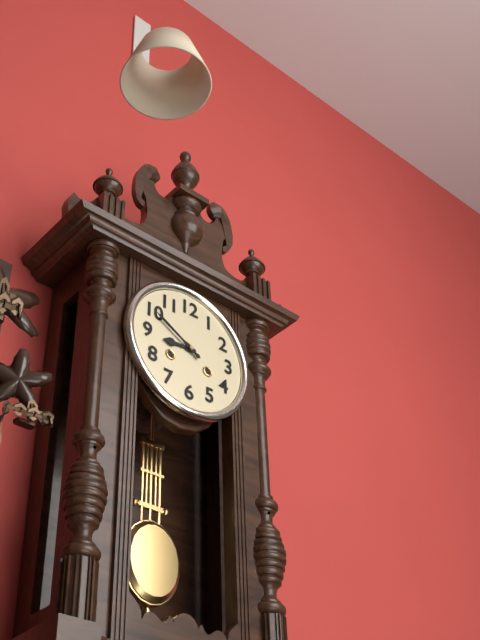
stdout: 8 h 50 min
